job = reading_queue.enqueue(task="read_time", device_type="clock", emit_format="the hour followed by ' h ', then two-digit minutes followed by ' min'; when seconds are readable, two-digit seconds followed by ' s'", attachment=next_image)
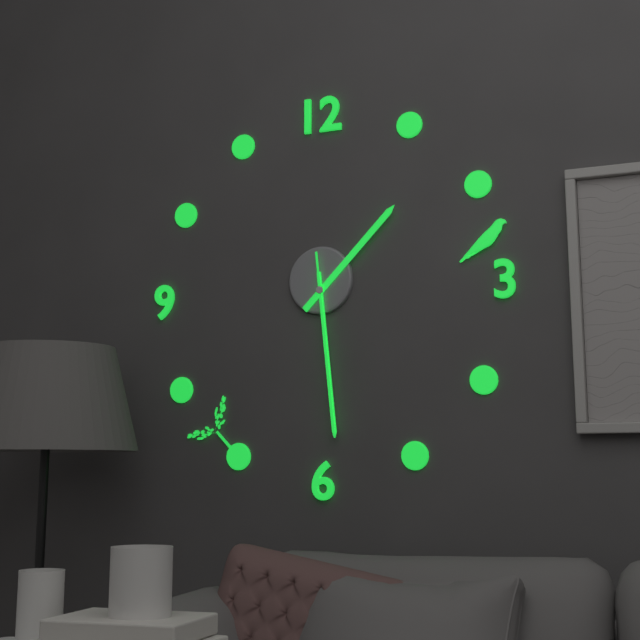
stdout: 1 h 29 min 29 s
